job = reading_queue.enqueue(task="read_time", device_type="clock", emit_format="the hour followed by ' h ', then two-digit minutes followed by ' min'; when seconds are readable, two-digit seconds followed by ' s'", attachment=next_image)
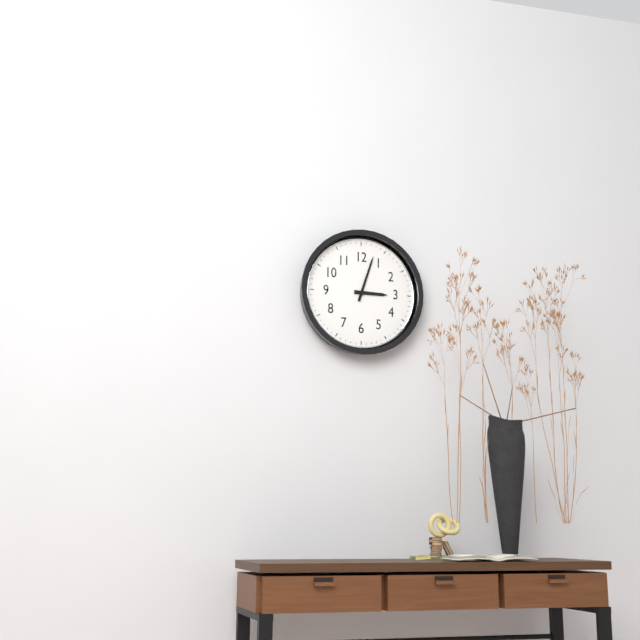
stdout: 3 h 03 min
